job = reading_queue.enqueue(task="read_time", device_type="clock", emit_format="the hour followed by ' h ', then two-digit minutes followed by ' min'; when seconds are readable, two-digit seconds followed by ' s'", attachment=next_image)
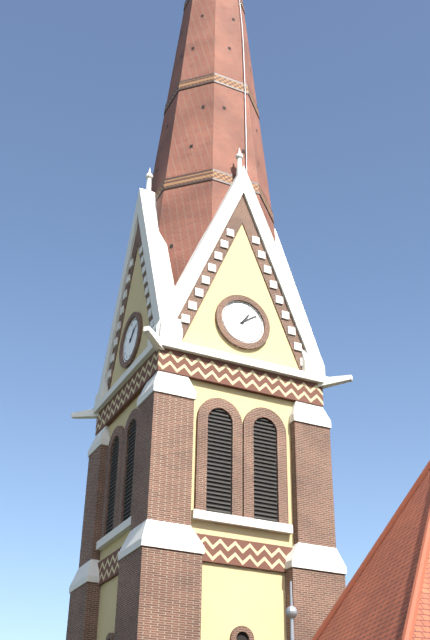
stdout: 1 h 09 min
